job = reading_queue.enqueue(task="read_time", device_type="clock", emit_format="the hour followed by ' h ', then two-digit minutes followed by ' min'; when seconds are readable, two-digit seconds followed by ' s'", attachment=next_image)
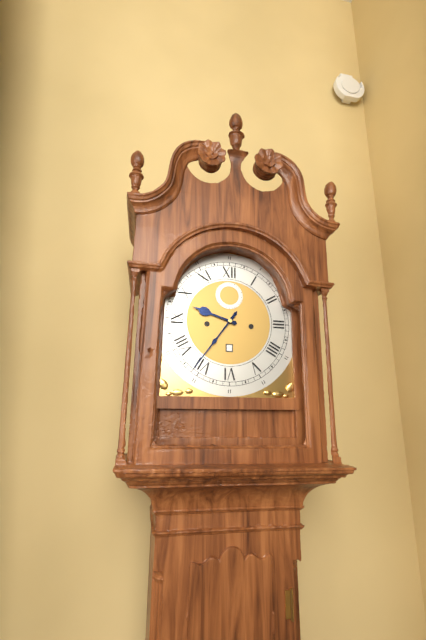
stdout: 9 h 36 min
